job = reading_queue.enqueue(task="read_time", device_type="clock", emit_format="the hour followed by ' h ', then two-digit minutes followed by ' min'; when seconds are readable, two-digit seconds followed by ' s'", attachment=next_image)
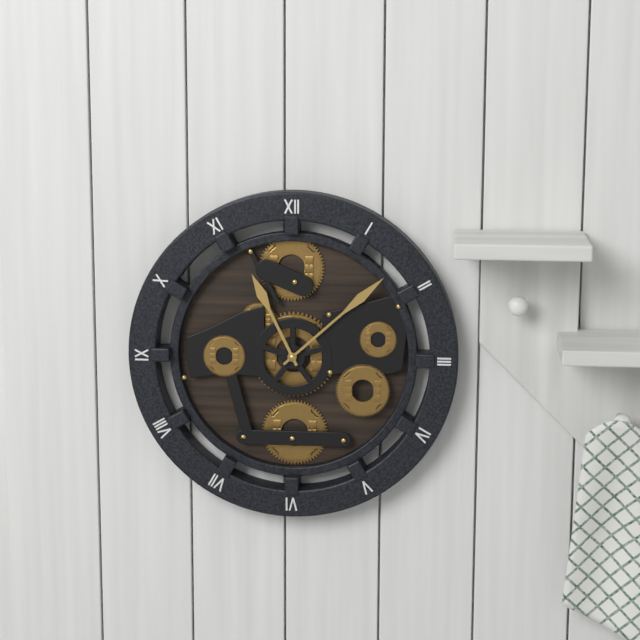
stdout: 11 h 08 min
